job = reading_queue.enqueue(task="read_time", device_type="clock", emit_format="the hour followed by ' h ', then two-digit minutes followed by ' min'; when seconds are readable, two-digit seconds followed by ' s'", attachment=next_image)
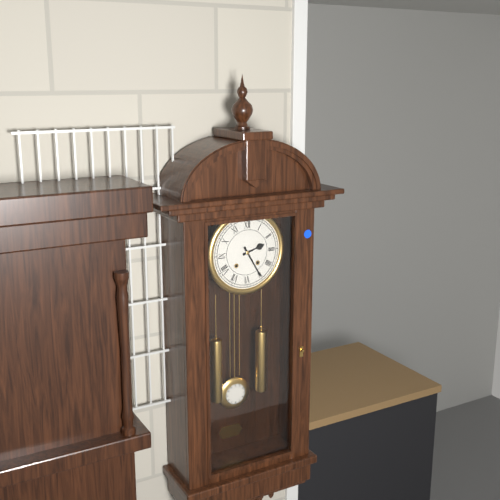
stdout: 2 h 25 min
